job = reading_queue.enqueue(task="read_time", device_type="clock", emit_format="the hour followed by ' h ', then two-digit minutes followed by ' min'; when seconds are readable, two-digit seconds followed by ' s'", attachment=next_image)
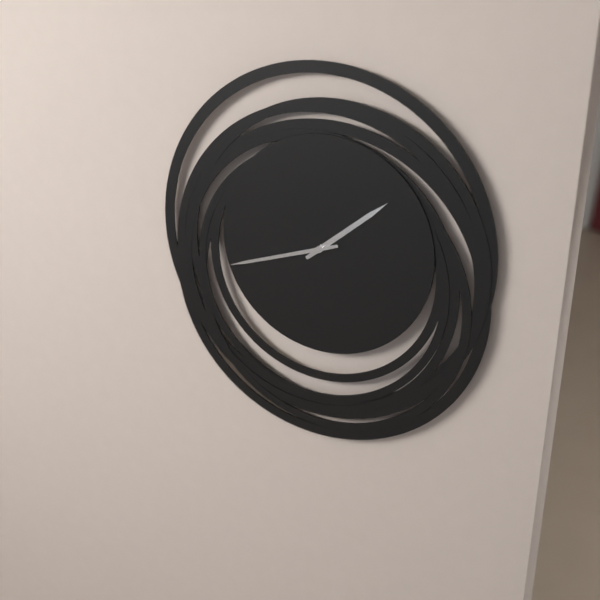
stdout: 1 h 42 min
